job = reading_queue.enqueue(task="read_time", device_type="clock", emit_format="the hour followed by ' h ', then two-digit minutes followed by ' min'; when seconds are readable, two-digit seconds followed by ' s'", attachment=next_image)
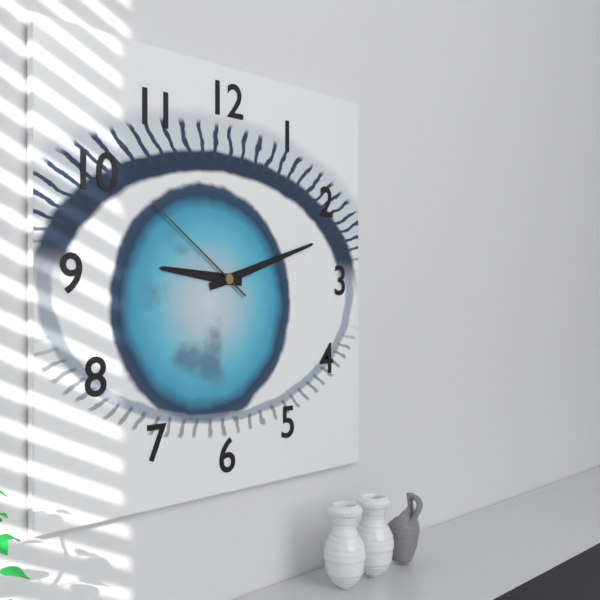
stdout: 9 h 12 min 51 s
